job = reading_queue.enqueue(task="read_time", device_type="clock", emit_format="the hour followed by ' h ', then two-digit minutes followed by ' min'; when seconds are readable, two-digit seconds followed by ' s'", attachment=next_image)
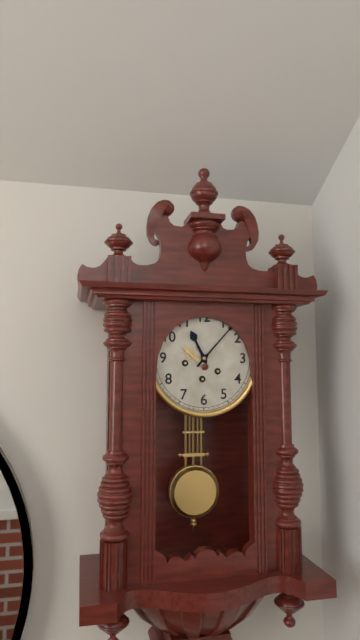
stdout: 11 h 07 min
